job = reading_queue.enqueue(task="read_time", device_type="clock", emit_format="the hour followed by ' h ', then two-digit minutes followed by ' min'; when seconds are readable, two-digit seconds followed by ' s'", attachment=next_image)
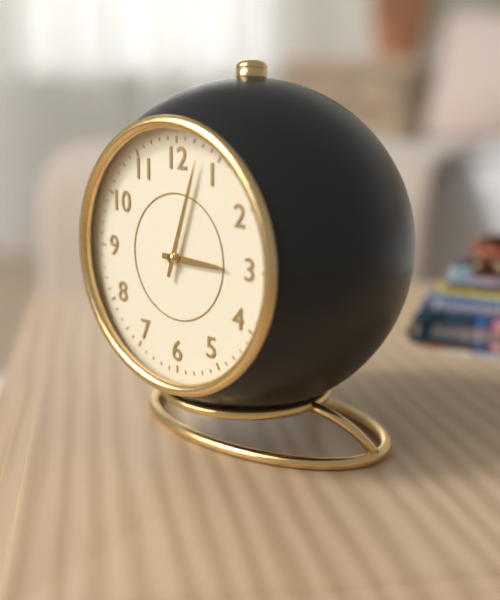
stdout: 3 h 03 min
